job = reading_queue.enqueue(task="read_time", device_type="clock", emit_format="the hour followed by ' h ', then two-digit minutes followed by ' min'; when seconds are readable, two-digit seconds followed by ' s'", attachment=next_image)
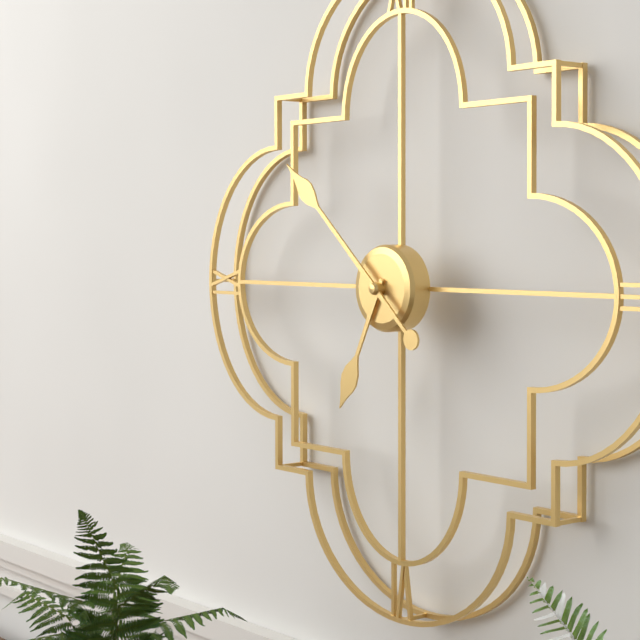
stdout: 6 h 52 min
